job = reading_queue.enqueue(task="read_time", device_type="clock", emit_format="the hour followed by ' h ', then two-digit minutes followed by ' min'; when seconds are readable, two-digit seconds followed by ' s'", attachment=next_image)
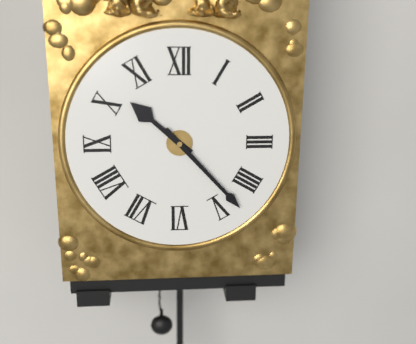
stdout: 10 h 23 min
